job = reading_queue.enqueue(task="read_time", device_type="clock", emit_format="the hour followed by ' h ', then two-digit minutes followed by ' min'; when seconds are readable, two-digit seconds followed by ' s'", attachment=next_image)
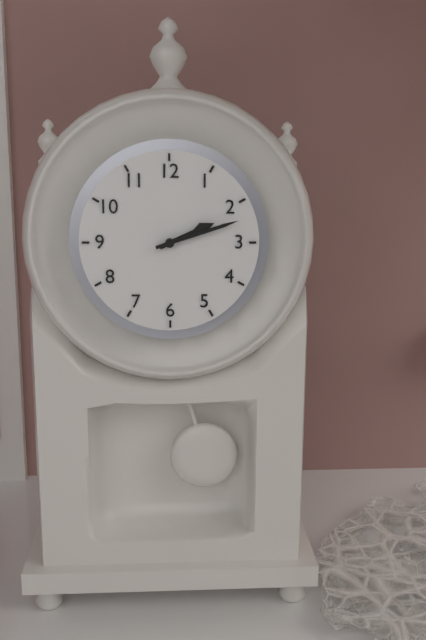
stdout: 2 h 12 min
